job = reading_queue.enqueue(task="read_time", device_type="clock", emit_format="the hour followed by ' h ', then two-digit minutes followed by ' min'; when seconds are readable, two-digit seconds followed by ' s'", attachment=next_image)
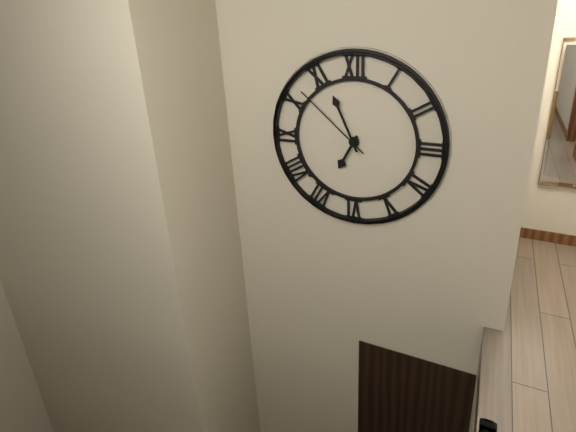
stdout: 6 h 56 min 52 s
